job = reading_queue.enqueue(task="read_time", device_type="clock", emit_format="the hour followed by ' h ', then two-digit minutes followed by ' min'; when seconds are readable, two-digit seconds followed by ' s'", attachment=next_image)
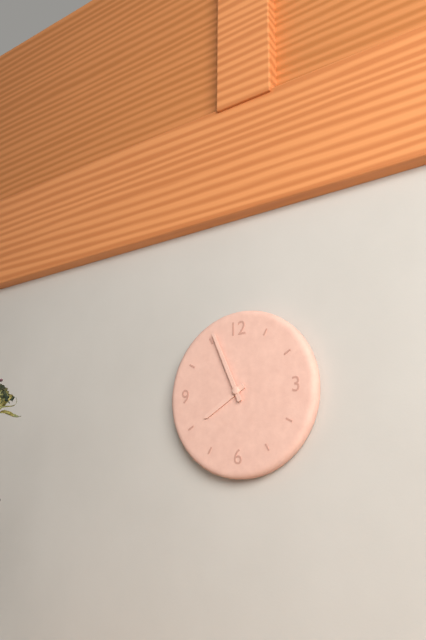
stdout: 7 h 56 min
